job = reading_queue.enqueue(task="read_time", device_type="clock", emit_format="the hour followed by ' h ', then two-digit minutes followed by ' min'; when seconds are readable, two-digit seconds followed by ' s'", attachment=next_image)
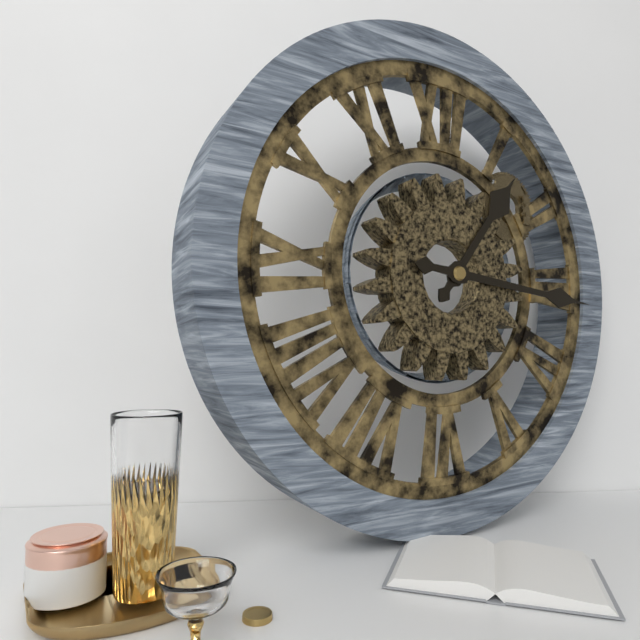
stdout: 1 h 16 min
